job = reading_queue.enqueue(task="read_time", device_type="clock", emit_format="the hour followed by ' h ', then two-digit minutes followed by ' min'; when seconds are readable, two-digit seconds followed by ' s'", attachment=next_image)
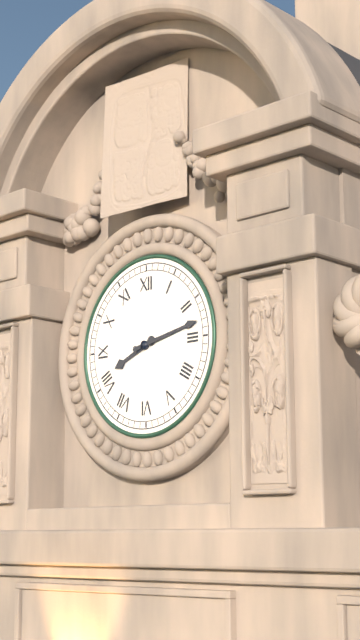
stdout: 8 h 13 min
